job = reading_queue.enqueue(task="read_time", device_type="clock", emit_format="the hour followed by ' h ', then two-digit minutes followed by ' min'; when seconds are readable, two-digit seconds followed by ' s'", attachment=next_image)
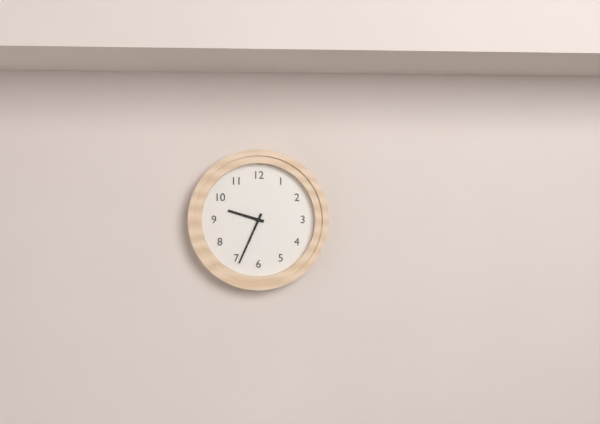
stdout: 9 h 34 min
